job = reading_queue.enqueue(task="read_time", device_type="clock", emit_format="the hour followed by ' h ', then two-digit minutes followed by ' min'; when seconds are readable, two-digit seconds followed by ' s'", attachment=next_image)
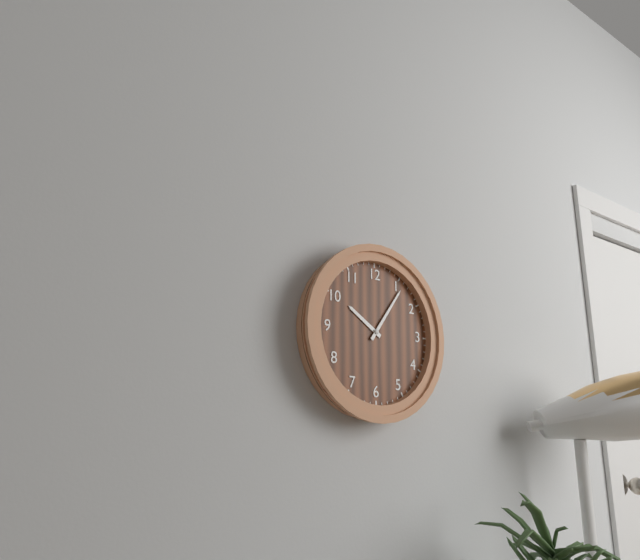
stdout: 10 h 06 min
